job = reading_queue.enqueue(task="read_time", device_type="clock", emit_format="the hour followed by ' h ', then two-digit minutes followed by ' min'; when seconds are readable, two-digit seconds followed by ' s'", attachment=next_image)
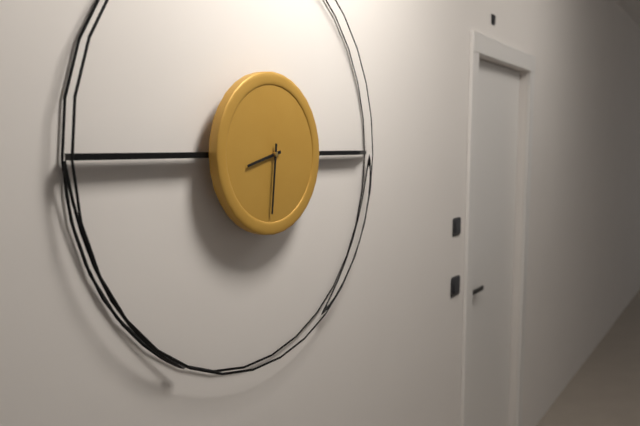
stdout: 8 h 31 min
